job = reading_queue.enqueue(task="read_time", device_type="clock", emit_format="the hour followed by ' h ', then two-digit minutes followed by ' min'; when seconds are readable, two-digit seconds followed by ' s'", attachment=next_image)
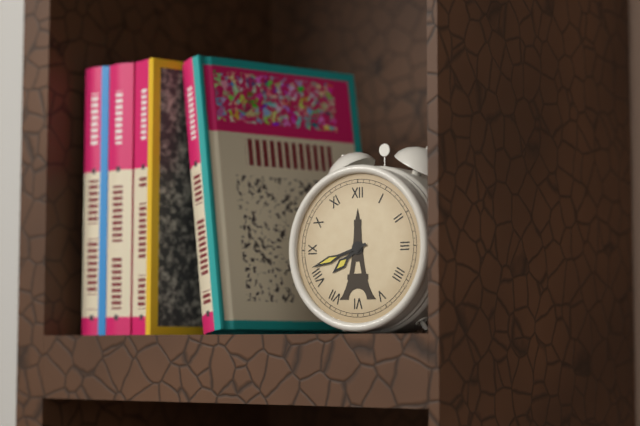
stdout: 7 h 42 min
